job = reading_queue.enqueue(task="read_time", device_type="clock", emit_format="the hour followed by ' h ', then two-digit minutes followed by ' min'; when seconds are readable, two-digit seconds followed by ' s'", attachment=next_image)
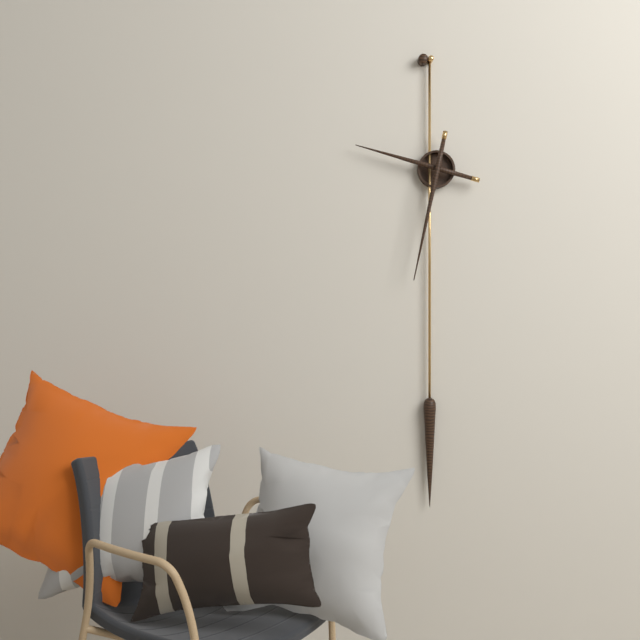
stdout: 9 h 32 min
